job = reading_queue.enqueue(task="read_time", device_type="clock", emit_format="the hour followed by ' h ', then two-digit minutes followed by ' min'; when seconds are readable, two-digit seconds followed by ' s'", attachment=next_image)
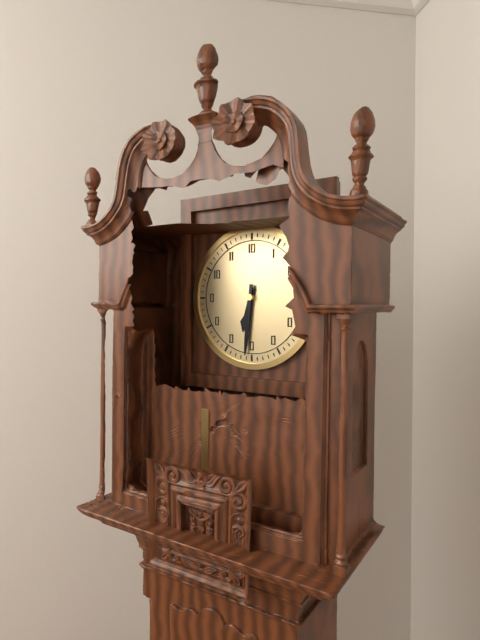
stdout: 6 h 31 min
